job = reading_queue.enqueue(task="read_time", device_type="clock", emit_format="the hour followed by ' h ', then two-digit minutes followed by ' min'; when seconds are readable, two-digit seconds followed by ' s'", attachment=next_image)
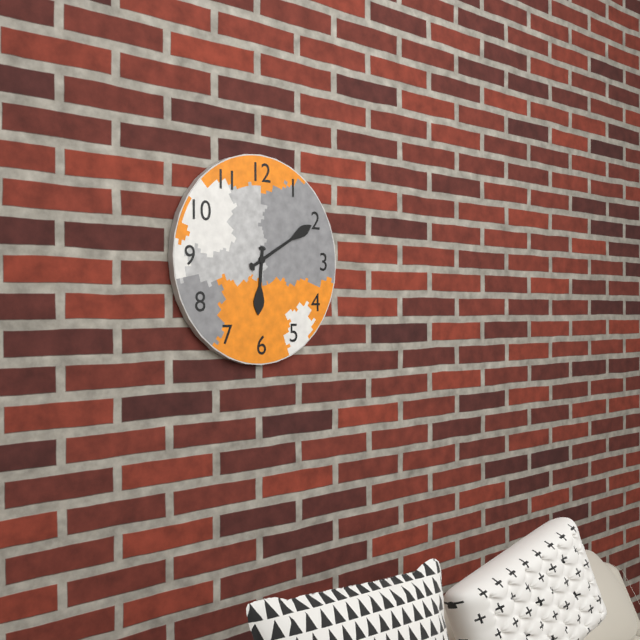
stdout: 6 h 10 min
